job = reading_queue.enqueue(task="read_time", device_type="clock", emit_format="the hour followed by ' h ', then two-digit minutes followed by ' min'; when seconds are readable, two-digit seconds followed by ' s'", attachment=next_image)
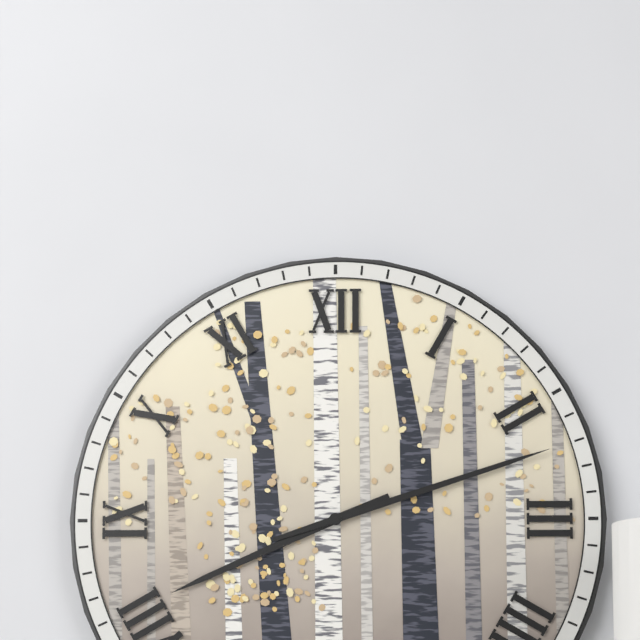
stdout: 8 h 12 min
